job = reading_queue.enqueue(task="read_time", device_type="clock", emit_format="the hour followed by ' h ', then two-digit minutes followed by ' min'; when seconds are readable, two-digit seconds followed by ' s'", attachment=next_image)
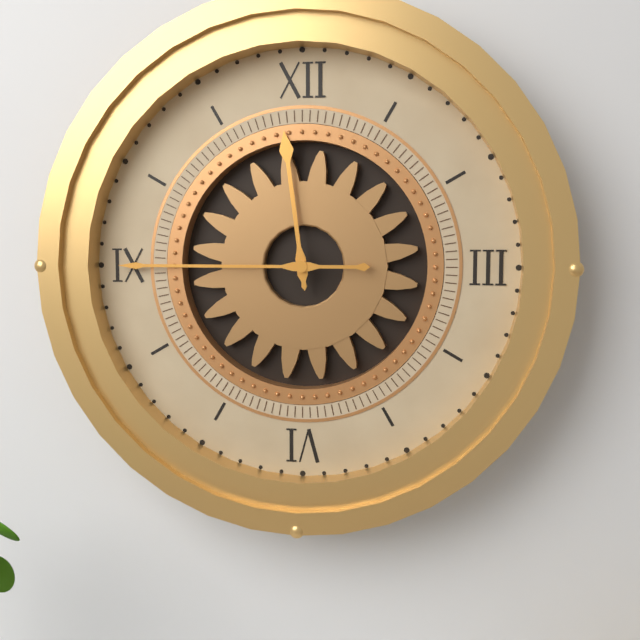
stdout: 11 h 45 min
